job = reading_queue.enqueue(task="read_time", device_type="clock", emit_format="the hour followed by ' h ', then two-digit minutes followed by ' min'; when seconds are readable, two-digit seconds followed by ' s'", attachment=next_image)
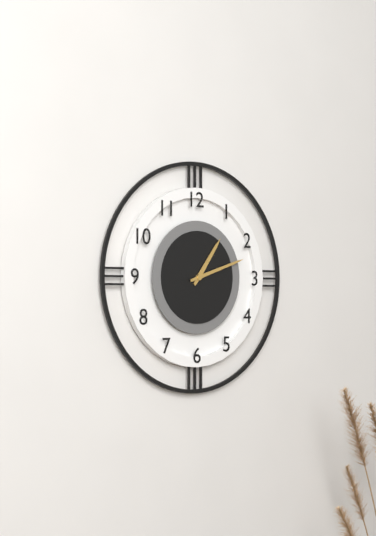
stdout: 1 h 12 min
